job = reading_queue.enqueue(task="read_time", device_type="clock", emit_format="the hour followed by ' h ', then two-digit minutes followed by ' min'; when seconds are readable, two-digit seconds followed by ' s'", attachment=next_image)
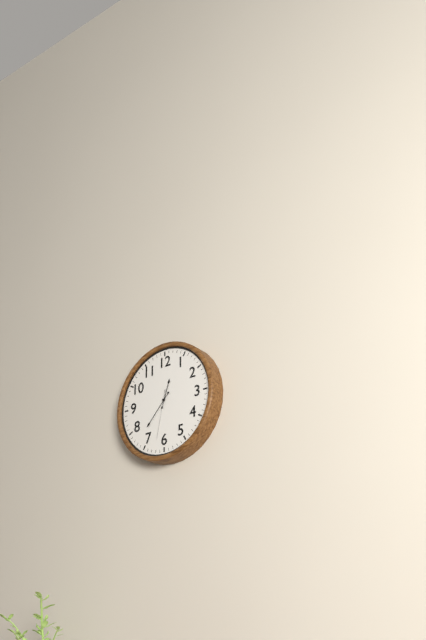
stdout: 12 h 37 min
